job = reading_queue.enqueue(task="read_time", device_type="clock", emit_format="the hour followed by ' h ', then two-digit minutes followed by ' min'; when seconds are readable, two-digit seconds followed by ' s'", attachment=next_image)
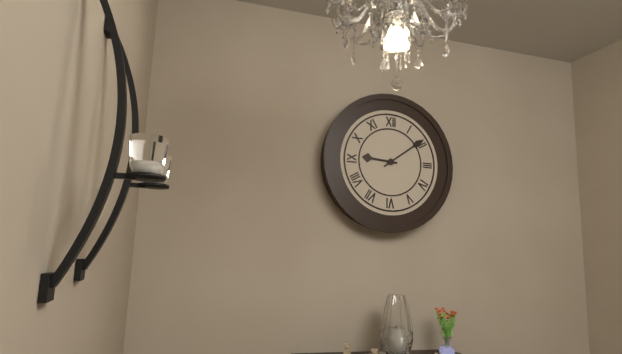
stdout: 9 h 09 min
